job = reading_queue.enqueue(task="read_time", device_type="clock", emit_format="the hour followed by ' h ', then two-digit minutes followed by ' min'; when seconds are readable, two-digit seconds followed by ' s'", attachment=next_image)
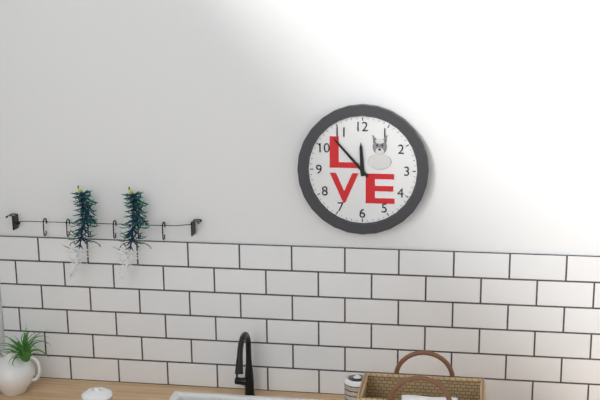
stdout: 11 h 53 min
